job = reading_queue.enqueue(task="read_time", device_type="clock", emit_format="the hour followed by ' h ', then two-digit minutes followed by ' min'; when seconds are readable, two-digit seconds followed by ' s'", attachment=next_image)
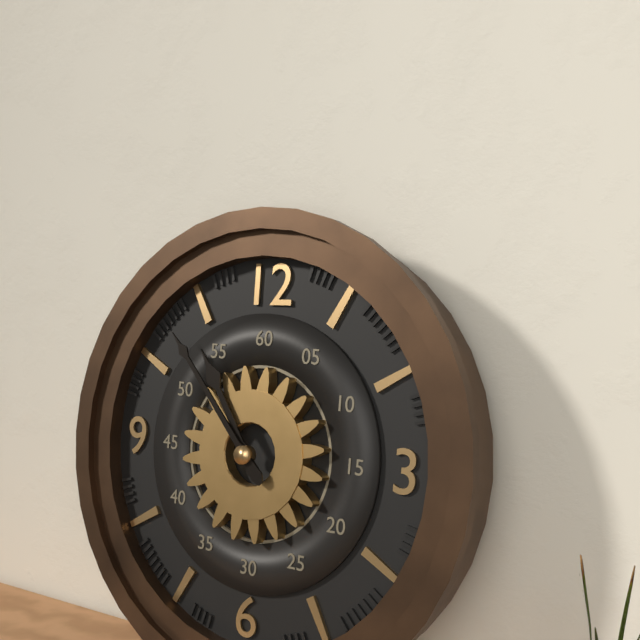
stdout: 10 h 53 min
